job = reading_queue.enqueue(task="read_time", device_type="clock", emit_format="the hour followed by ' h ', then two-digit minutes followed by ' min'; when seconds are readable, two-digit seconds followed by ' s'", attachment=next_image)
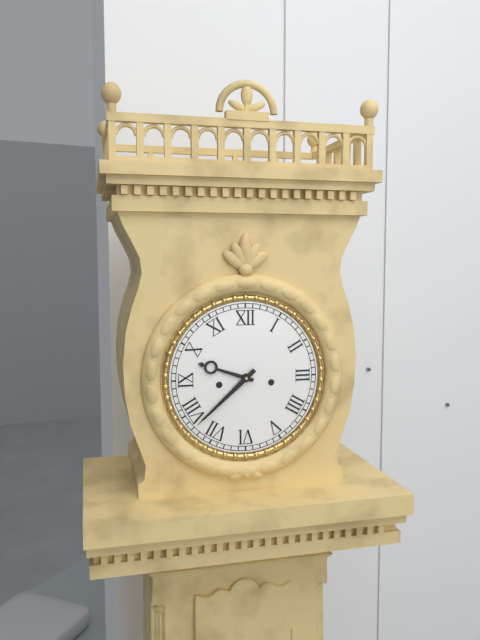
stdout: 9 h 38 min
